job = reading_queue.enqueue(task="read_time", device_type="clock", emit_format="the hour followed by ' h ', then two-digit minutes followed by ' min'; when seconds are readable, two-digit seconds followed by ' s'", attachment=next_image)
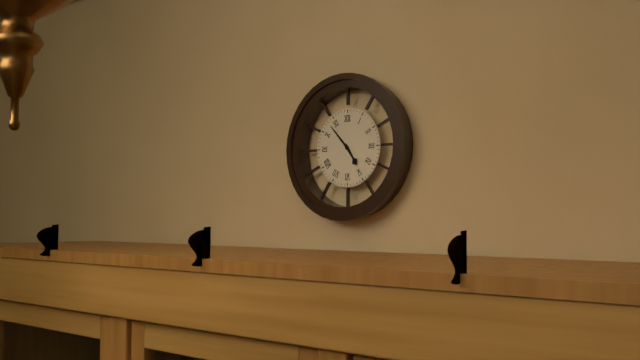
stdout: 4 h 53 min
